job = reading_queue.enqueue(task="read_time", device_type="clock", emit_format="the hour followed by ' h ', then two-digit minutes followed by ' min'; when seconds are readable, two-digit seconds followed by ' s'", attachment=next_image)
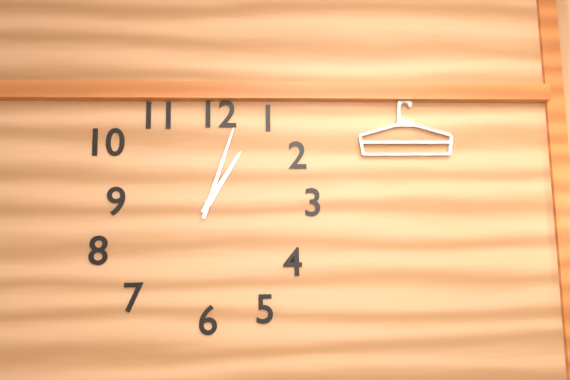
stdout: 1 h 03 min
